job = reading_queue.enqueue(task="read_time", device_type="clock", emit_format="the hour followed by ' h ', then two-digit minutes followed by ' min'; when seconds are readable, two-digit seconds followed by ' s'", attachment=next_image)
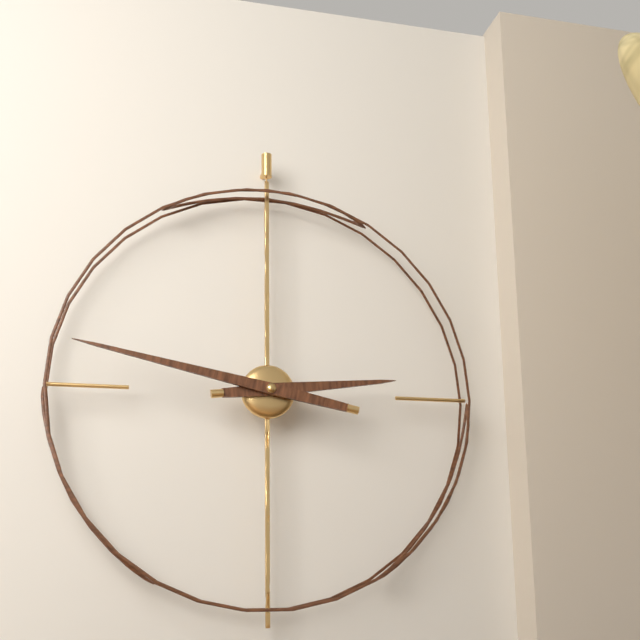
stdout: 2 h 47 min
